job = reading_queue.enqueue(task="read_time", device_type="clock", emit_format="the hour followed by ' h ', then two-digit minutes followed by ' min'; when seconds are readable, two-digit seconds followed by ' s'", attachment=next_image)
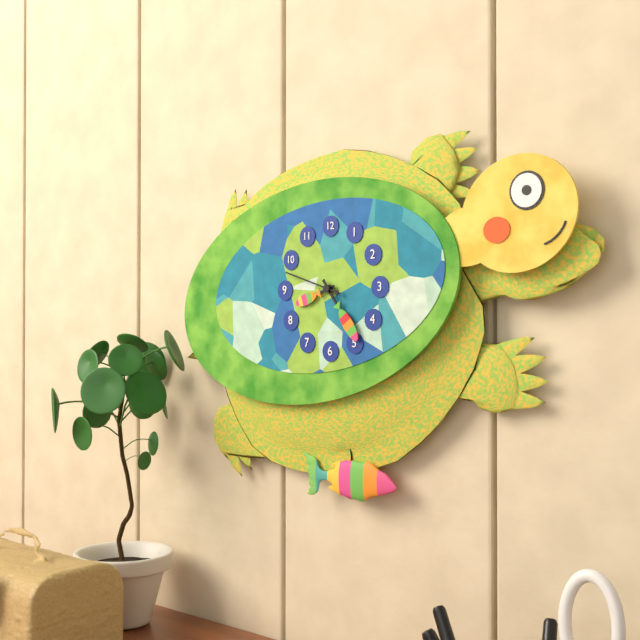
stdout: 8 h 24 min 48 s
